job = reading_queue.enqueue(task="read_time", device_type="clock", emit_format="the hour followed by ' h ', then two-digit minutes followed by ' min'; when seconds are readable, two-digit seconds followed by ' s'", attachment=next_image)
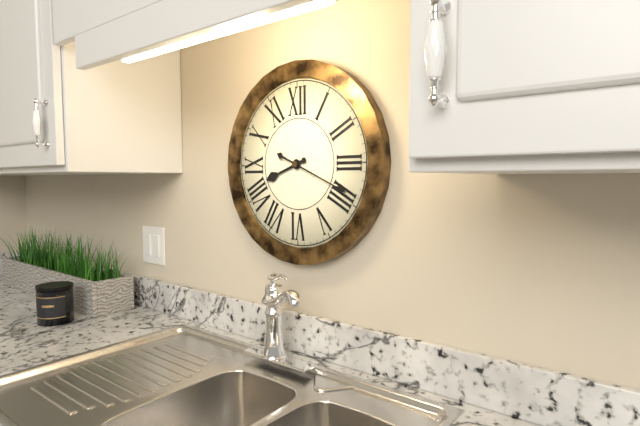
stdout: 8 h 19 min
